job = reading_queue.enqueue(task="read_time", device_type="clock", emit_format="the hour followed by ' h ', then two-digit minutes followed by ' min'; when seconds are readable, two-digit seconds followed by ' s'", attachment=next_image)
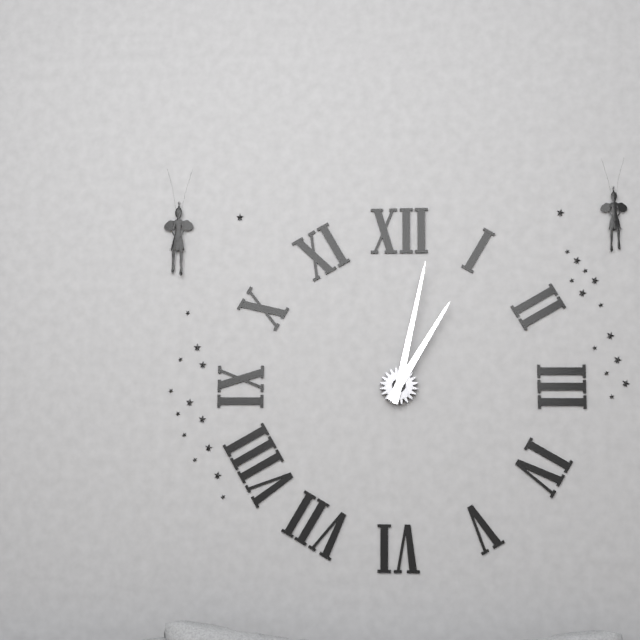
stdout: 1 h 02 min
